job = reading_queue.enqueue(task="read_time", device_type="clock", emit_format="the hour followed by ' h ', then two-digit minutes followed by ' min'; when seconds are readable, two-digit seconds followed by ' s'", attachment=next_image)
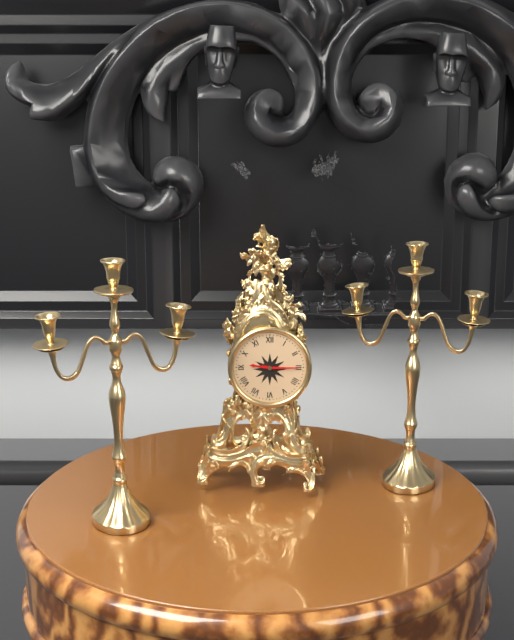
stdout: 9 h 15 min
